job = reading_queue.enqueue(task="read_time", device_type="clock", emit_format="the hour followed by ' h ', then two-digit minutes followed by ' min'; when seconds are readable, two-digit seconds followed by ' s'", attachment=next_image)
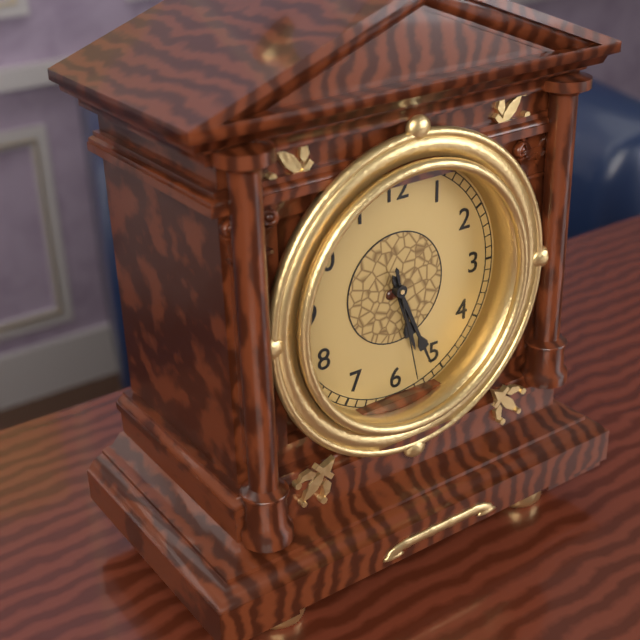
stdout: 5 h 26 min 28 s
